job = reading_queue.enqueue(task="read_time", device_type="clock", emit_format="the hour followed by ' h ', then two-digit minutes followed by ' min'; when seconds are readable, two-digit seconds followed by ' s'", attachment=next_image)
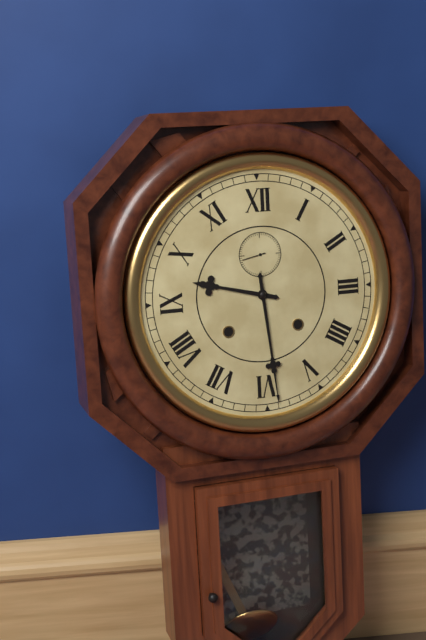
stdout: 9 h 29 min
